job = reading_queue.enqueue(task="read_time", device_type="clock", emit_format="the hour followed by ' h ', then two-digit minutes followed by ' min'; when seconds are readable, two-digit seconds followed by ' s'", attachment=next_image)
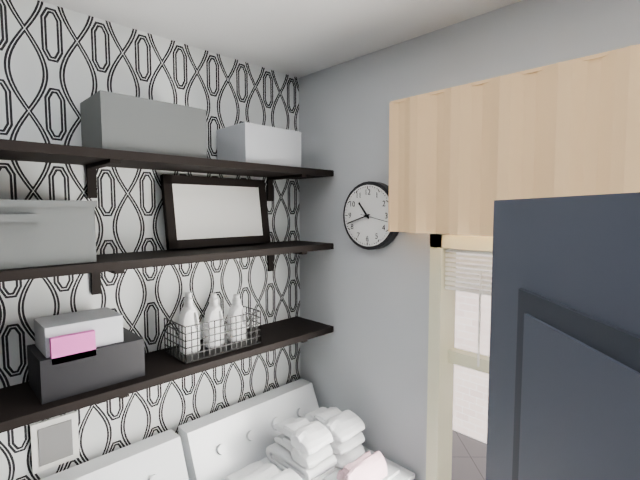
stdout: 10 h 42 min
